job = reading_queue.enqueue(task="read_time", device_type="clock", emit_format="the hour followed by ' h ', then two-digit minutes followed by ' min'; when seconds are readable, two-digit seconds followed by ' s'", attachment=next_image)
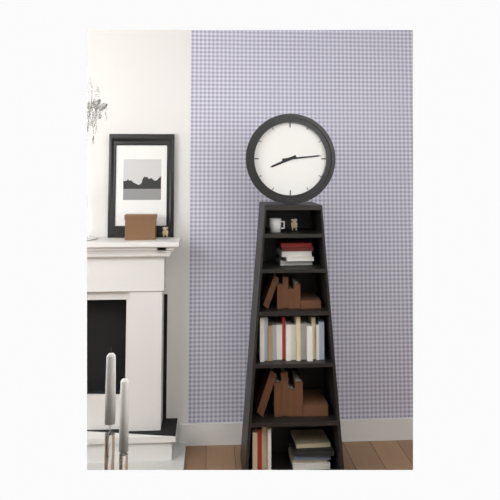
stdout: 8 h 14 min
